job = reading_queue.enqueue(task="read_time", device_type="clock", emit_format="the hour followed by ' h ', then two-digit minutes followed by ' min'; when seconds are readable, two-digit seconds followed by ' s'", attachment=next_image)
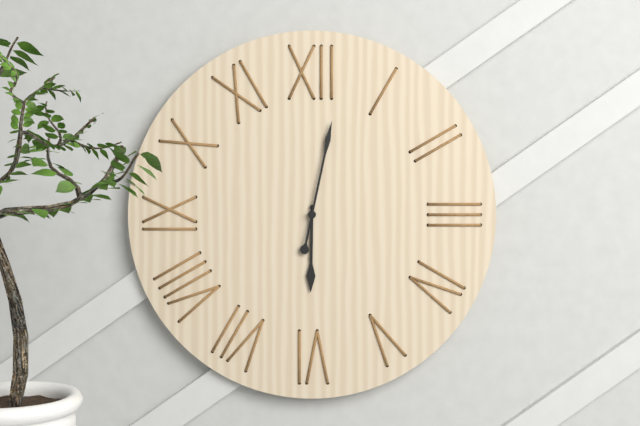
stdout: 6 h 02 min
